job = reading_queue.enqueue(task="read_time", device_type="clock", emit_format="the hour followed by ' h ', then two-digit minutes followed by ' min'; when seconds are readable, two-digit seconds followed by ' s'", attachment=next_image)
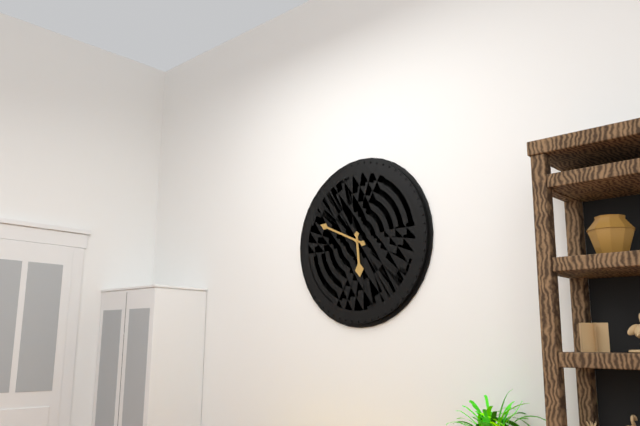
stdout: 5 h 49 min
